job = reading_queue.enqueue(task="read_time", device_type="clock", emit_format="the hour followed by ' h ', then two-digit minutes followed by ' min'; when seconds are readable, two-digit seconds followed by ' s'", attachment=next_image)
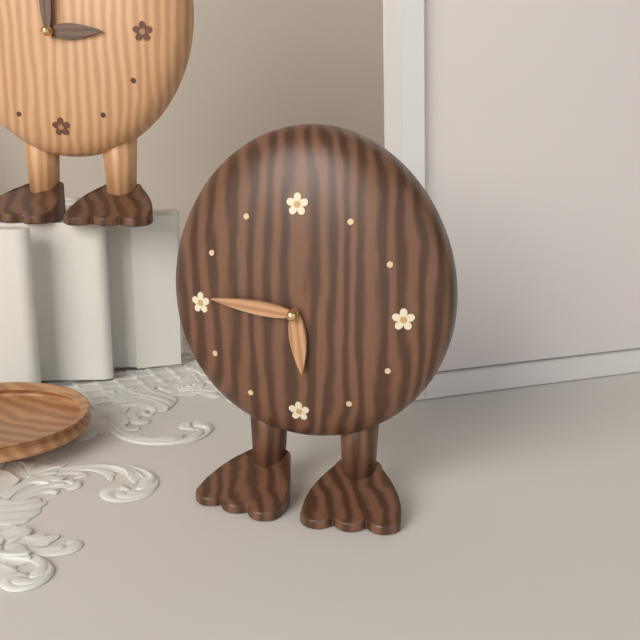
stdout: 5 h 46 min
